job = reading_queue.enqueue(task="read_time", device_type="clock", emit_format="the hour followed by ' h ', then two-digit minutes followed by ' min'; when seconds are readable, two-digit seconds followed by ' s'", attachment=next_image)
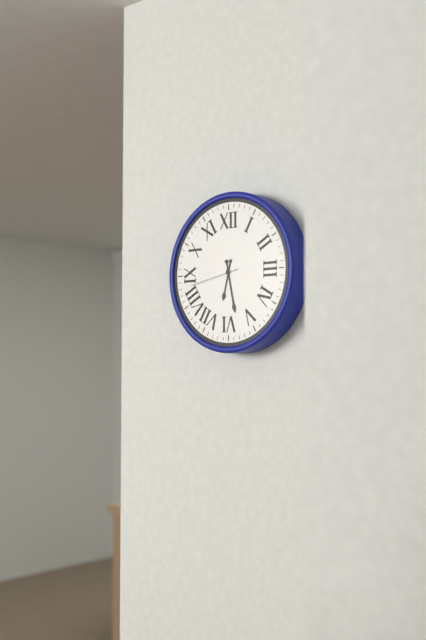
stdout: 6 h 28 min
